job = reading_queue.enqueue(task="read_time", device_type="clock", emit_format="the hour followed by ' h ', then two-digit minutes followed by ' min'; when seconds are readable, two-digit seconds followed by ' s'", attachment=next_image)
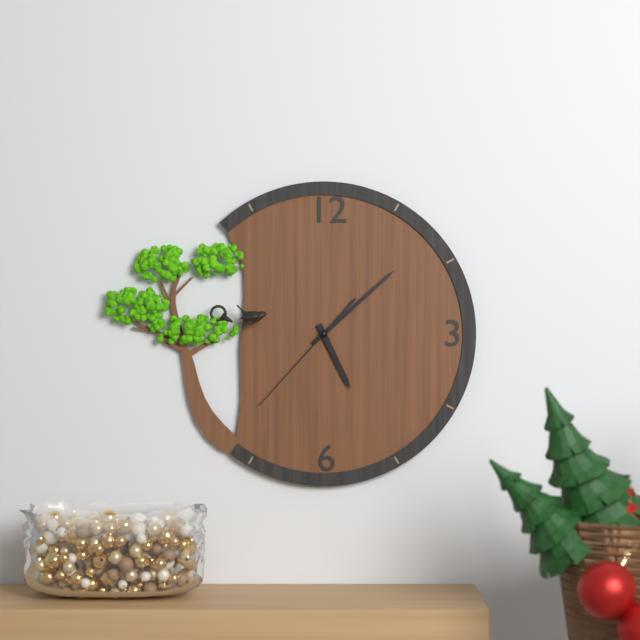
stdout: 5 h 08 min 37 s
